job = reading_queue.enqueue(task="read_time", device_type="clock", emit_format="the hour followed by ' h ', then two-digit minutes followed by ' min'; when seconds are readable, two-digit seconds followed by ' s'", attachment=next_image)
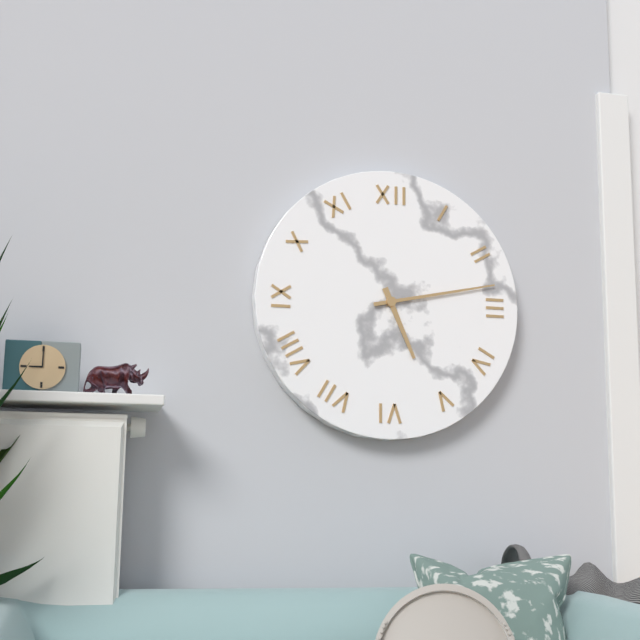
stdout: 5 h 13 min
